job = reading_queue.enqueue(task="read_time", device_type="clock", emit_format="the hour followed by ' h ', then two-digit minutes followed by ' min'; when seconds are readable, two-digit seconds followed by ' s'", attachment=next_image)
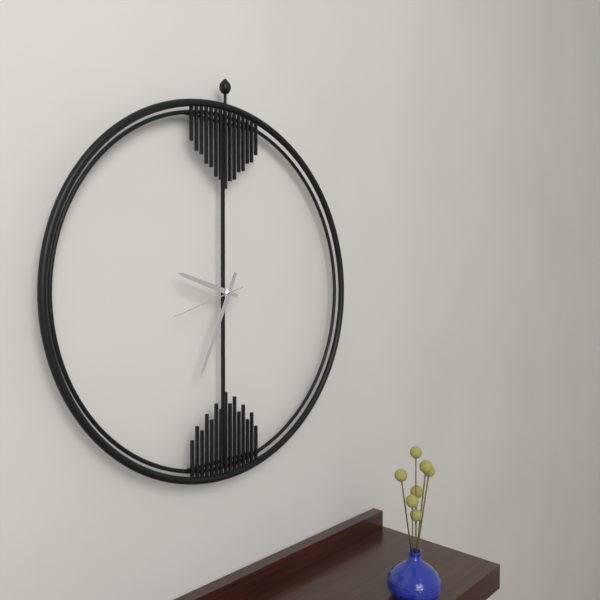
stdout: 9 h 34 min 42 s
